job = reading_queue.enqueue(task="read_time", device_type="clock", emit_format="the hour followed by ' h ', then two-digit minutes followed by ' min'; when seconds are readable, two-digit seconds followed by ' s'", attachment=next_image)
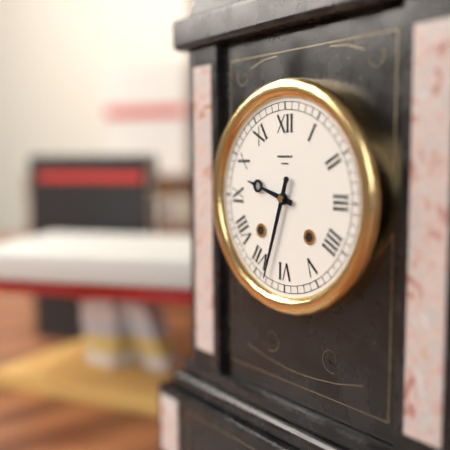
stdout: 9 h 33 min
